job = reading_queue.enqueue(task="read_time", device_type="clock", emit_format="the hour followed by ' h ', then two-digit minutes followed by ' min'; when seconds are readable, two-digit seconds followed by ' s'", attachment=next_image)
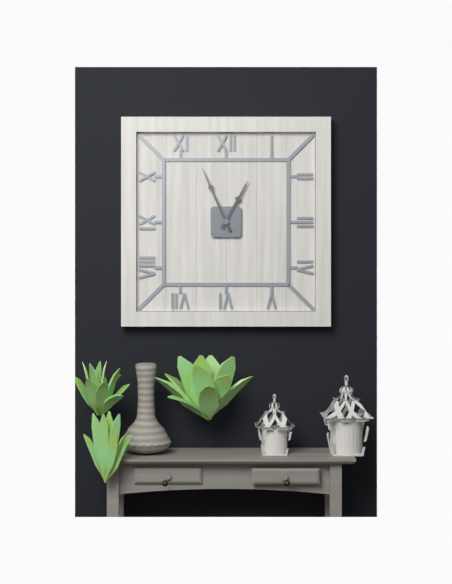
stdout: 12 h 56 min
